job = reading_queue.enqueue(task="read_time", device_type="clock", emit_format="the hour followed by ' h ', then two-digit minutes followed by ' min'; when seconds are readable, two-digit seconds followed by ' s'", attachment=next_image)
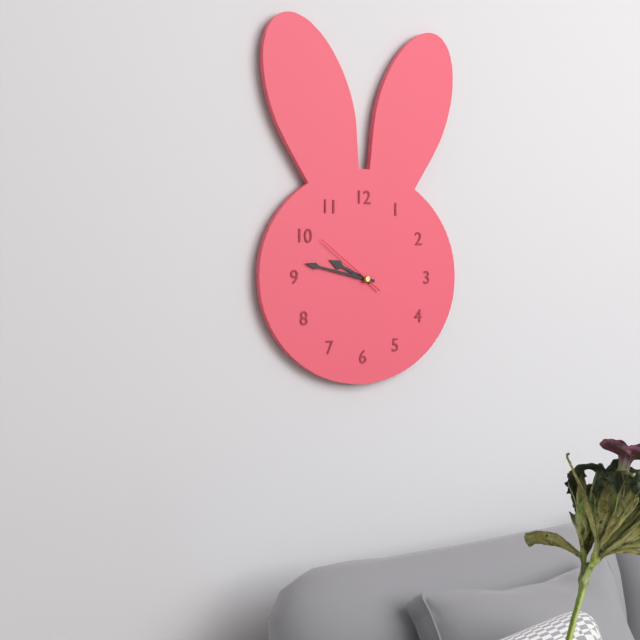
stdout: 9 h 47 min 51 s
